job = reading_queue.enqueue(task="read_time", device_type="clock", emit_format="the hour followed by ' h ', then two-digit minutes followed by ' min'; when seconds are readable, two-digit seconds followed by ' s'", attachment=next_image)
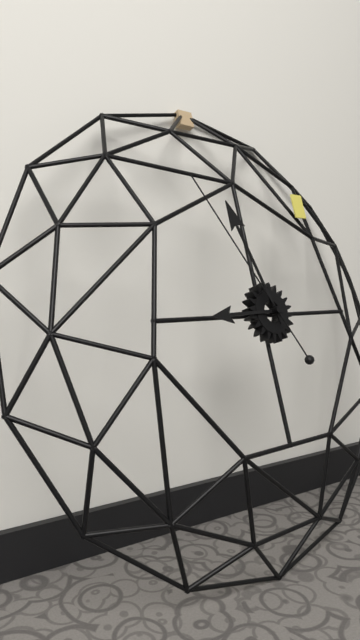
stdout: 8 h 57 min 55 s
